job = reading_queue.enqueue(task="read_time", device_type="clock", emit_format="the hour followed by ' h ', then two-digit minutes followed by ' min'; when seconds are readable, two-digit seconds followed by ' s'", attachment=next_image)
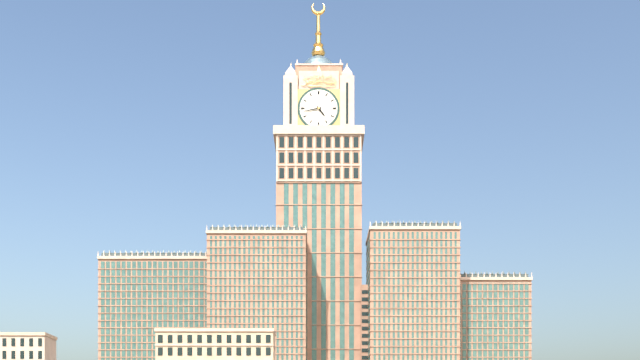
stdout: 4 h 43 min
